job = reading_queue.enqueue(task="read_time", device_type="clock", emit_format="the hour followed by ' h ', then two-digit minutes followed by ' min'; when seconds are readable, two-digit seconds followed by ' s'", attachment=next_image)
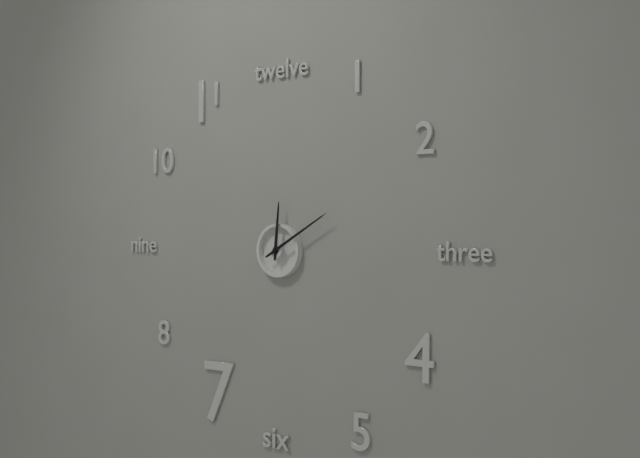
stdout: 12 h 10 min
